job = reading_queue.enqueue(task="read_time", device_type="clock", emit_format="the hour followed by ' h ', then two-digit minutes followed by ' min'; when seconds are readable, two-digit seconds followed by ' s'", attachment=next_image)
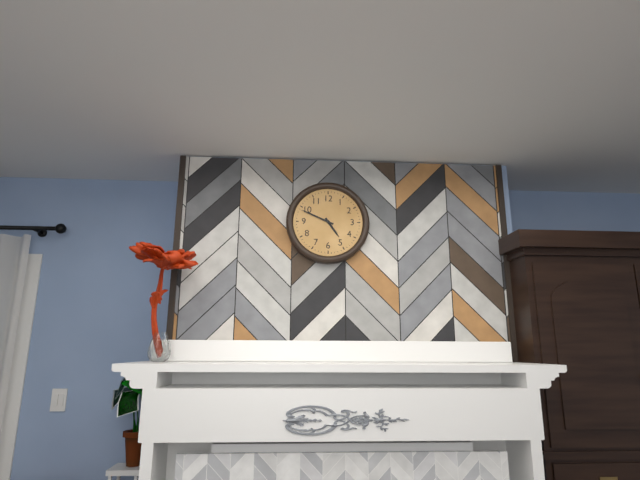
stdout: 4 h 49 min
